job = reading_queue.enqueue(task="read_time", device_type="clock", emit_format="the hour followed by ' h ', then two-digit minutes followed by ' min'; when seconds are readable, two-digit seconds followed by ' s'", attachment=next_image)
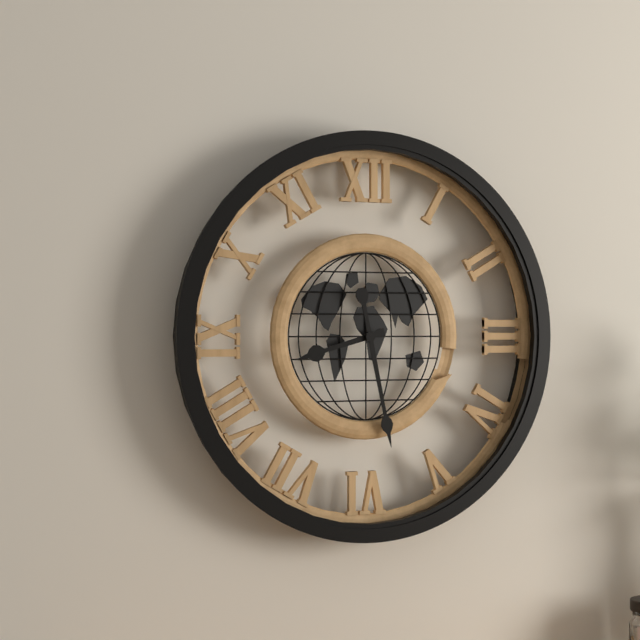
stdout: 8 h 28 min
